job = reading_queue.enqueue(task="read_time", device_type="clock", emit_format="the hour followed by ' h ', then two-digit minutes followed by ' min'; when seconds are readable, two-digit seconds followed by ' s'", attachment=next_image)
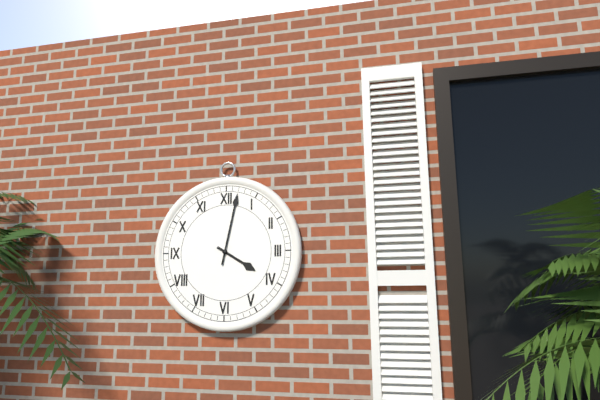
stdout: 4 h 02 min
